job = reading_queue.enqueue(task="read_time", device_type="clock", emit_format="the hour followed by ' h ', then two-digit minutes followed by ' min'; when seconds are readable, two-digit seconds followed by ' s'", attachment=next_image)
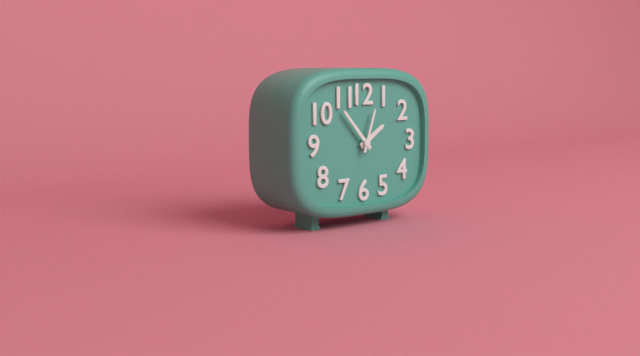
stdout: 1 h 53 min 03 s
